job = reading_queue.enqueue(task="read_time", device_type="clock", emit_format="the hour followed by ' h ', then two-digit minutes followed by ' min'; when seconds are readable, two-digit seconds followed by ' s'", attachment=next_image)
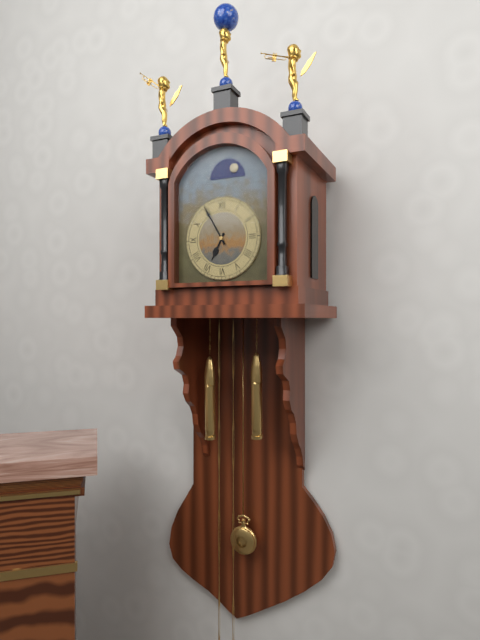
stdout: 6 h 55 min
